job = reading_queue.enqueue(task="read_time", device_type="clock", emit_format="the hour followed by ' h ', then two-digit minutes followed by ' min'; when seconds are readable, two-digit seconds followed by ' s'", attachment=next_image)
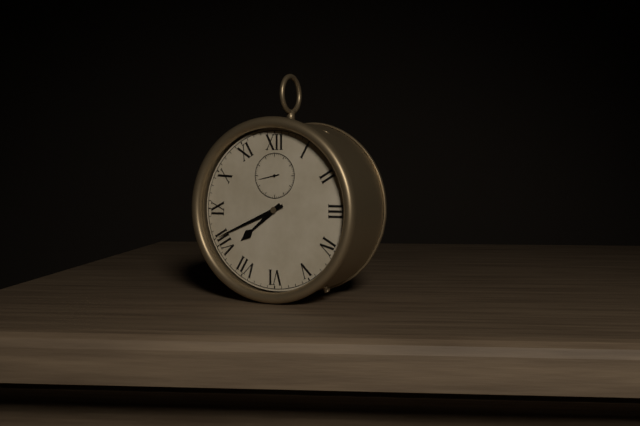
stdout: 7 h 41 min
